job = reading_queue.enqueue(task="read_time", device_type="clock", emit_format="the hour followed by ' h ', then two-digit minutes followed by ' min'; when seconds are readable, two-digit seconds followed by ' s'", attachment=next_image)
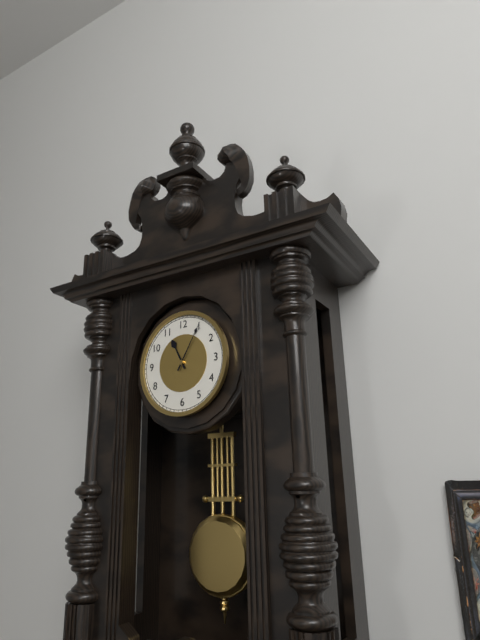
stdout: 11 h 05 min
